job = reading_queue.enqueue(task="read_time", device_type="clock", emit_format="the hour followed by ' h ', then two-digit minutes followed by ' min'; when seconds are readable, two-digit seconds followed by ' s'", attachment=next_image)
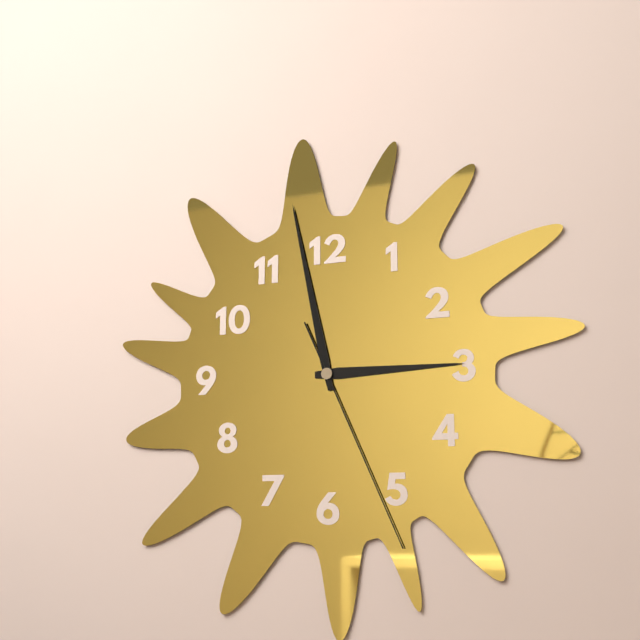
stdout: 2 h 58 min 26 s
